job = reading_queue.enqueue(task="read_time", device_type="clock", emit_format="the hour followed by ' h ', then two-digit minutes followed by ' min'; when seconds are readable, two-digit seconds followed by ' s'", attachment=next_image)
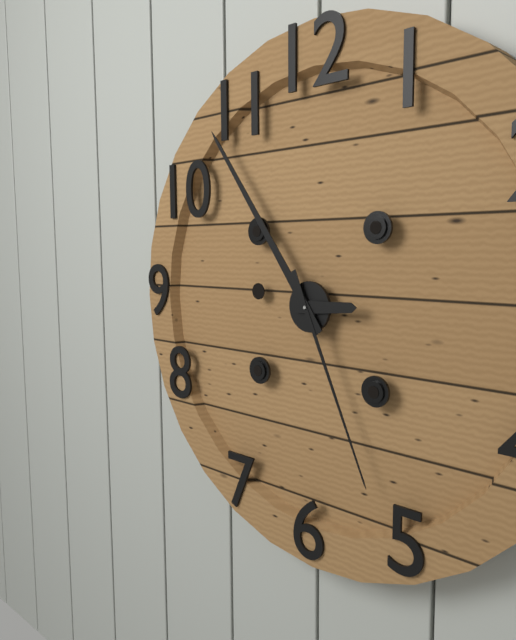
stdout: 2 h 54 min 26 s
